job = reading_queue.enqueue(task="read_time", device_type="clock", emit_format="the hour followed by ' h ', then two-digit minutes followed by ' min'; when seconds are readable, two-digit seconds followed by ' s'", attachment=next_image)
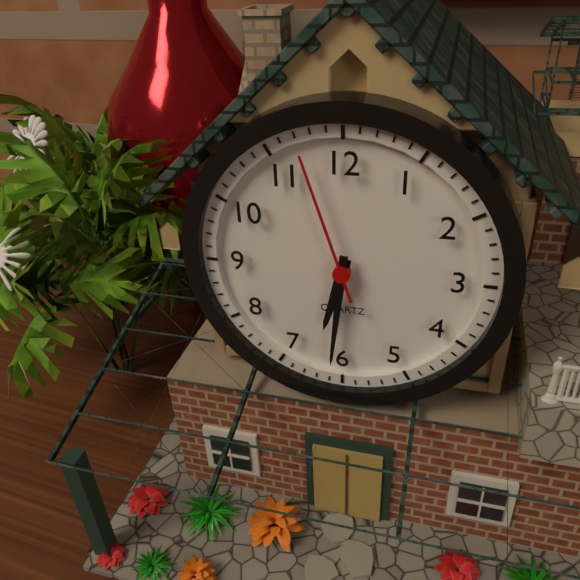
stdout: 6 h 31 min 57 s
